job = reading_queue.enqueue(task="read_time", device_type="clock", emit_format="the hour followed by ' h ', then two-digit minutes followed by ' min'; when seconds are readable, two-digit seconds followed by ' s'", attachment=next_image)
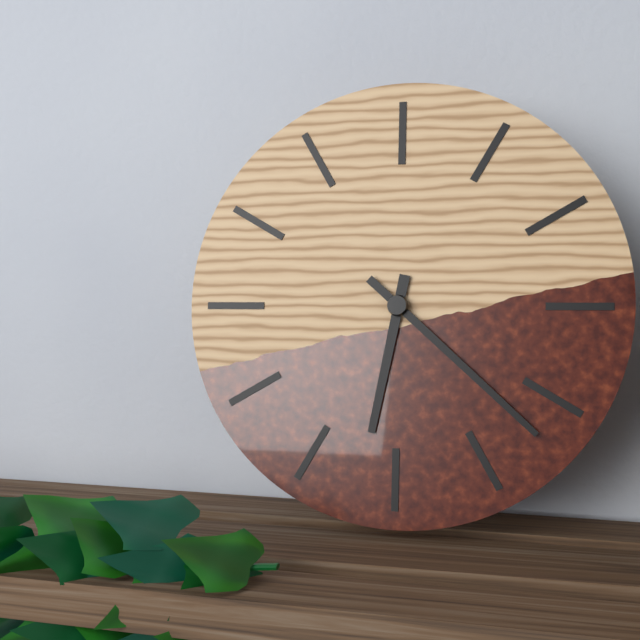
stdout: 6 h 22 min
